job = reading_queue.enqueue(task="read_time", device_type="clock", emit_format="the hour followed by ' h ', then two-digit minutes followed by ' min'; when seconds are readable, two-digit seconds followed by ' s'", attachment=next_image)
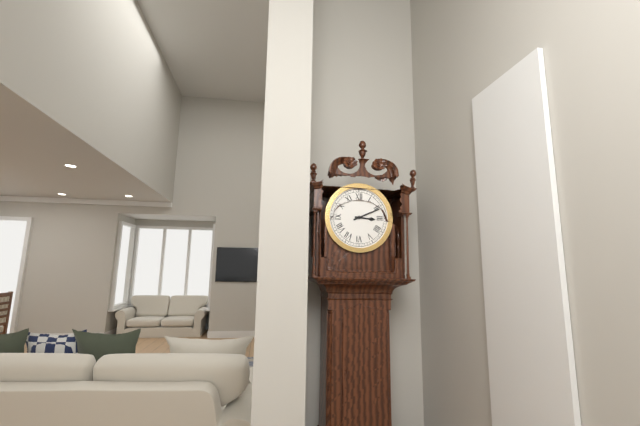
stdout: 3 h 11 min
